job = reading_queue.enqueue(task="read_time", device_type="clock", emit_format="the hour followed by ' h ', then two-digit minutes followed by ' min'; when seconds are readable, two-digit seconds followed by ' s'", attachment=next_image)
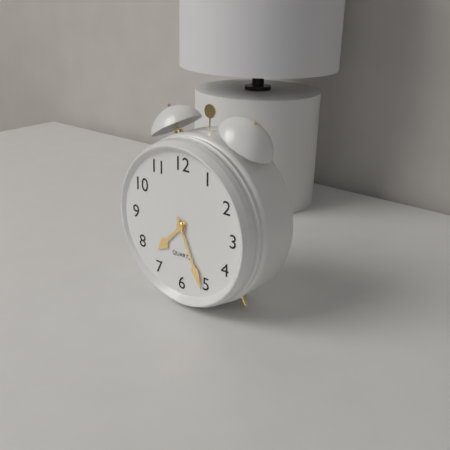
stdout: 7 h 26 min
